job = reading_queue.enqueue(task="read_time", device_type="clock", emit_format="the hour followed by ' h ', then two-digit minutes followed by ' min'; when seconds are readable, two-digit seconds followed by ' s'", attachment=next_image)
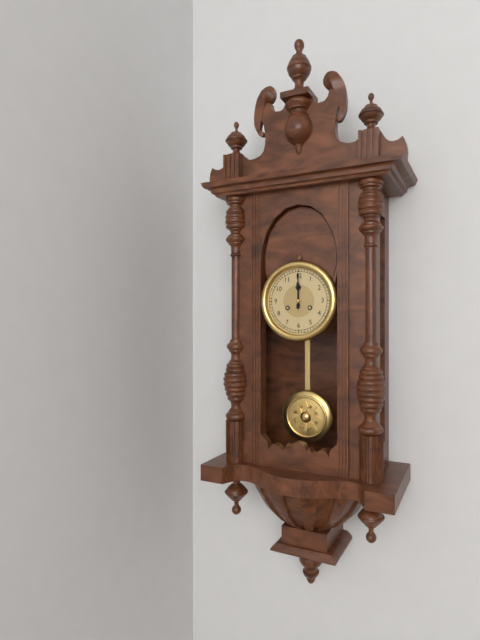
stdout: 12 h 00 min
